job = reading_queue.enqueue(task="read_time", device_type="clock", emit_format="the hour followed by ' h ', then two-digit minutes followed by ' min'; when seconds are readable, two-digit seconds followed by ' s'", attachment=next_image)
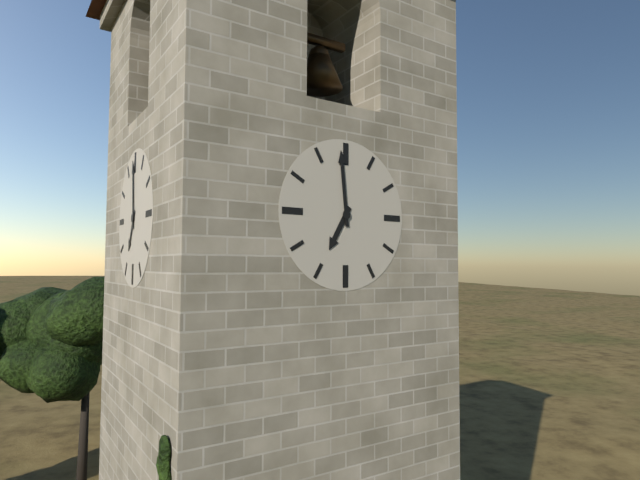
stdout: 6 h 59 min
